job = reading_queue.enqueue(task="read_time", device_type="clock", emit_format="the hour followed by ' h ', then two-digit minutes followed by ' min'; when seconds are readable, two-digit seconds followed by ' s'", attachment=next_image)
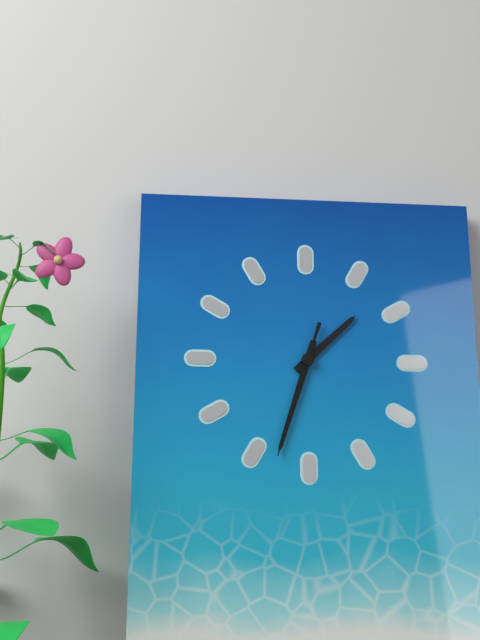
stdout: 1 h 33 min 33 s
